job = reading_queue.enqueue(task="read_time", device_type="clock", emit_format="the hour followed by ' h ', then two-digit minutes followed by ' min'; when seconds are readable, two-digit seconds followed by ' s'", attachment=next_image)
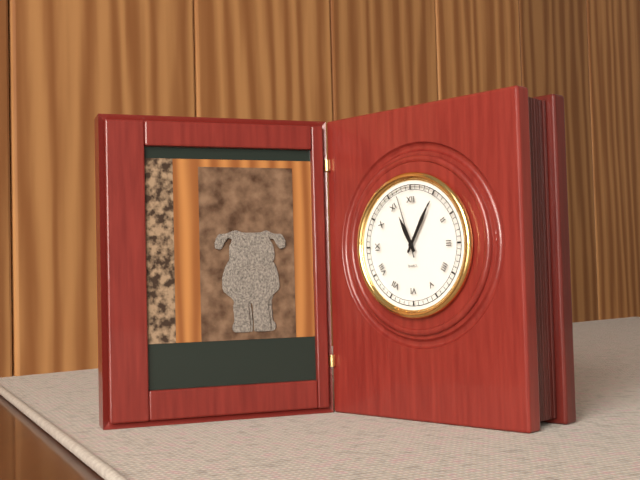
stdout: 11 h 05 min 57 s
